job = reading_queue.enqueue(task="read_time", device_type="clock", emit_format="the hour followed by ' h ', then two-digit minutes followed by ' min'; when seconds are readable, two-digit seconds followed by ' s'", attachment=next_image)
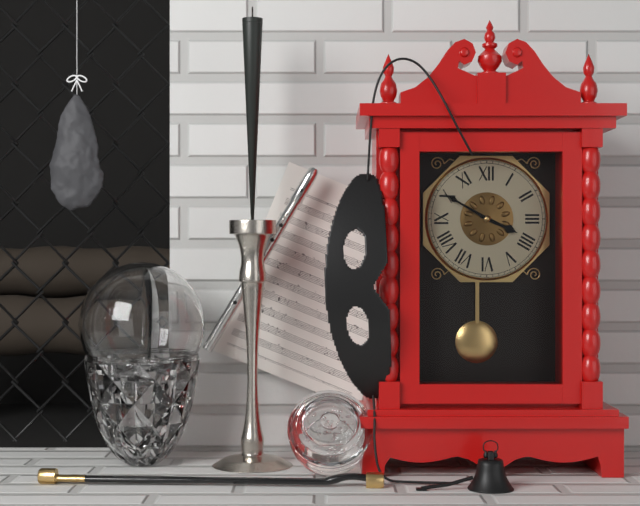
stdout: 3 h 50 min
